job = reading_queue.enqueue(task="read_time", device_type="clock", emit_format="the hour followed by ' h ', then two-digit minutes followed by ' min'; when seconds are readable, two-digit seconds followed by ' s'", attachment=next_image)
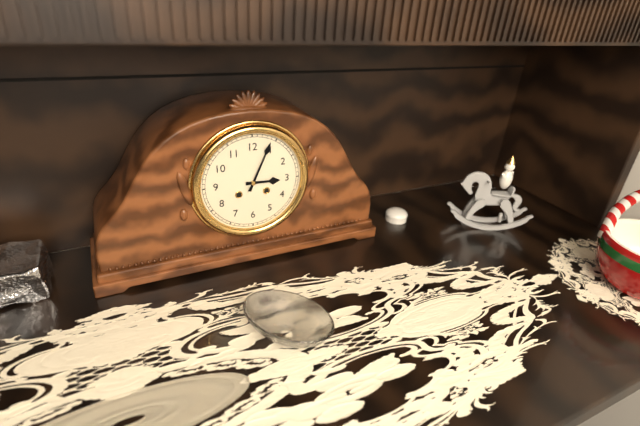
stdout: 3 h 04 min
